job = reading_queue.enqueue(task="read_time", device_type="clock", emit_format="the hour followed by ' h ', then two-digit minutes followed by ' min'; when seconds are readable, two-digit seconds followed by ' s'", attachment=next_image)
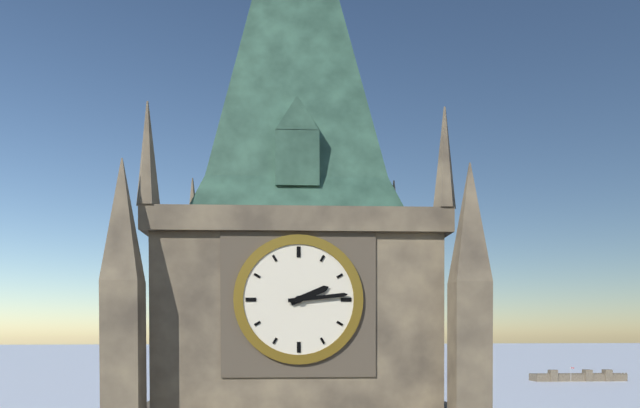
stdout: 2 h 14 min
